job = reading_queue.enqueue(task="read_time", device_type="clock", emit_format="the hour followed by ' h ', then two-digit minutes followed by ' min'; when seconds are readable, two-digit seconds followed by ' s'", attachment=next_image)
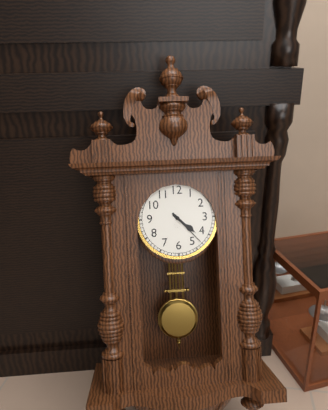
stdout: 4 h 23 min
